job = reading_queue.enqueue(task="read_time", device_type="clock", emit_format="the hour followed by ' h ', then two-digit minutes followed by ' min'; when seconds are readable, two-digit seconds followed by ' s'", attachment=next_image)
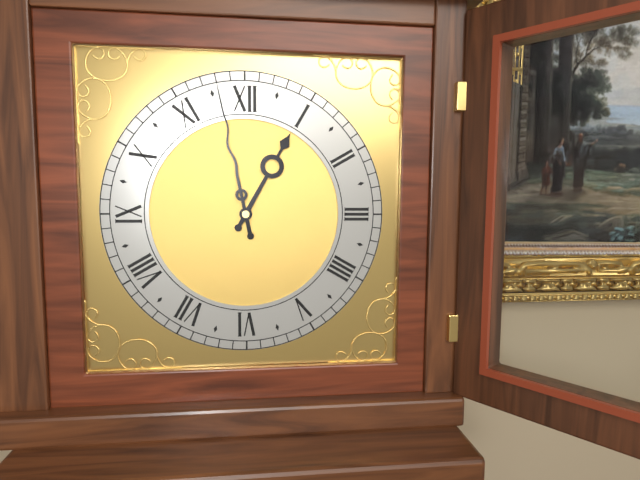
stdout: 12 h 58 min
